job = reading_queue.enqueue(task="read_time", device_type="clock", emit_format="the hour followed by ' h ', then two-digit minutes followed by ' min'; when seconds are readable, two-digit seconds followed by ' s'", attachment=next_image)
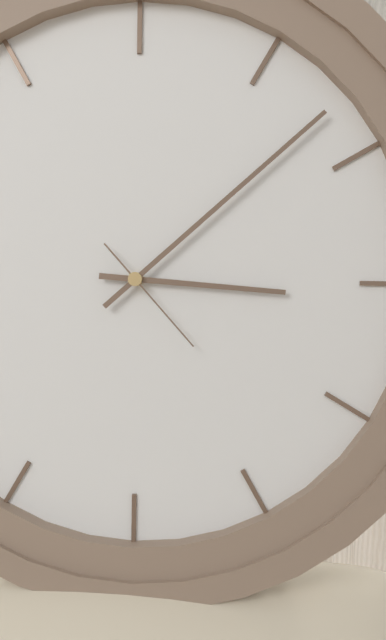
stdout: 3 h 08 min 23 s
